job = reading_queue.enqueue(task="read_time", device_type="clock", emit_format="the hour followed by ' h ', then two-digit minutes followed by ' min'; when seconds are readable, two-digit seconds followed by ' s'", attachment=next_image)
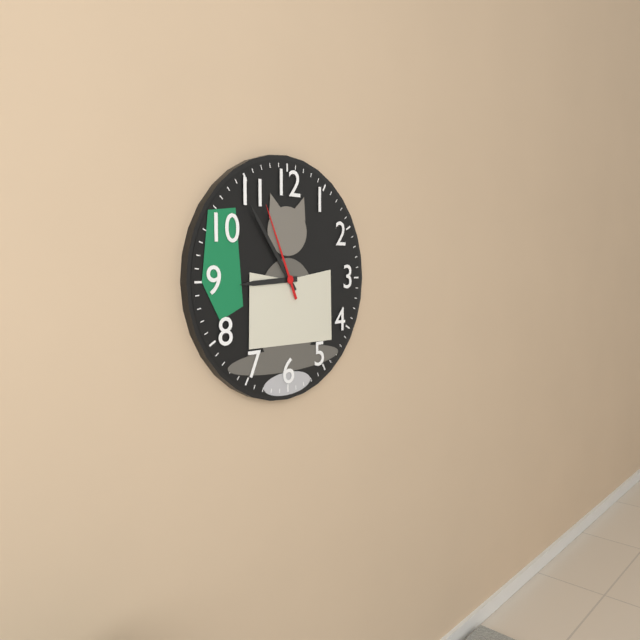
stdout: 8 h 54 min 56 s
